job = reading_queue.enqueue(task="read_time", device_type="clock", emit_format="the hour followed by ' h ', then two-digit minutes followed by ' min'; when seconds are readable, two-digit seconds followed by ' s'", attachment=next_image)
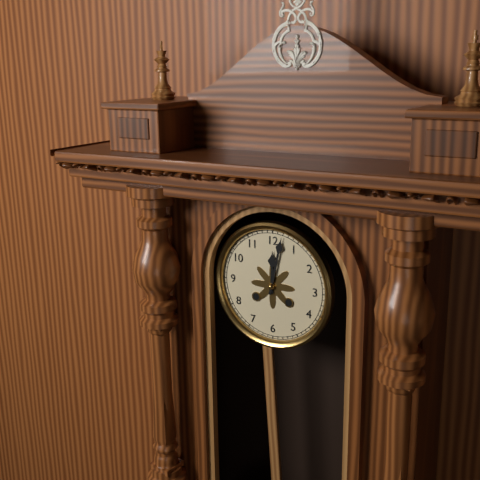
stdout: 12 h 02 min
